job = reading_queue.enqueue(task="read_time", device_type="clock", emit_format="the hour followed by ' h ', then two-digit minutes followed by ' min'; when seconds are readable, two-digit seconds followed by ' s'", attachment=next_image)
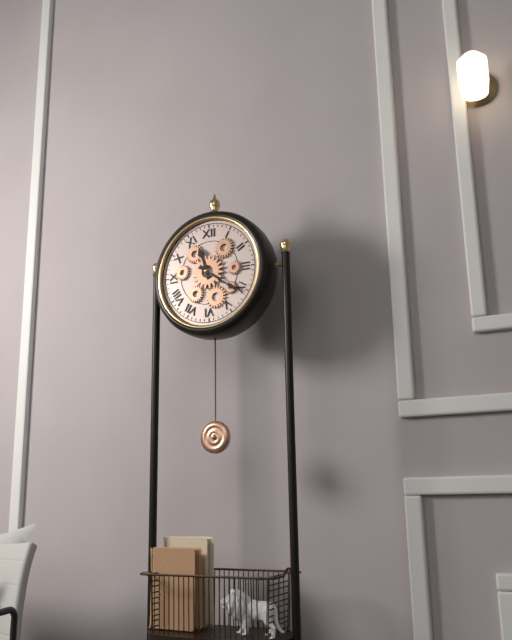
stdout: 11 h 21 min
